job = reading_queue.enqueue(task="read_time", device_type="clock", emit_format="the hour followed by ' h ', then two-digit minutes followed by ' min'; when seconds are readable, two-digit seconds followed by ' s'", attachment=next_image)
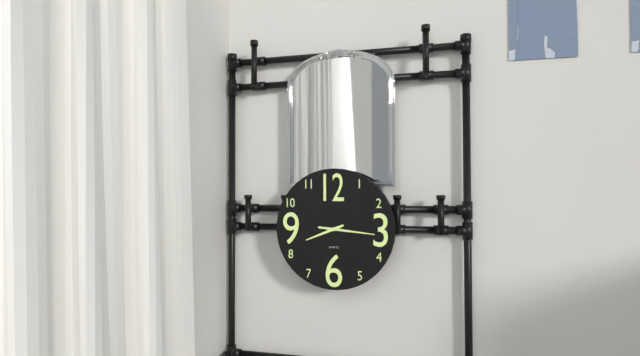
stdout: 8 h 16 min
